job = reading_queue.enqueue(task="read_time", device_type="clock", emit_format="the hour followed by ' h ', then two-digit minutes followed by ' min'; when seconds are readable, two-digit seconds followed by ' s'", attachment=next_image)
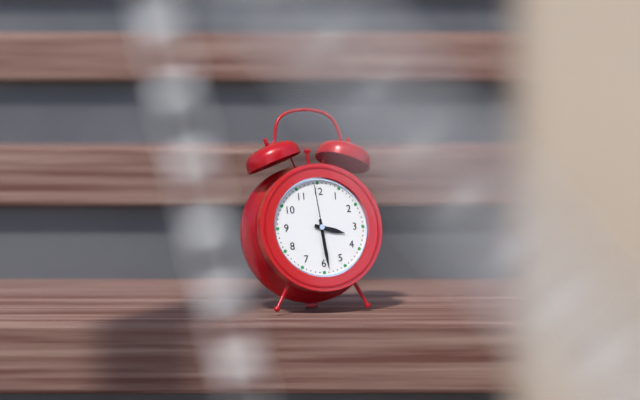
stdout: 3 h 29 min 59 s
